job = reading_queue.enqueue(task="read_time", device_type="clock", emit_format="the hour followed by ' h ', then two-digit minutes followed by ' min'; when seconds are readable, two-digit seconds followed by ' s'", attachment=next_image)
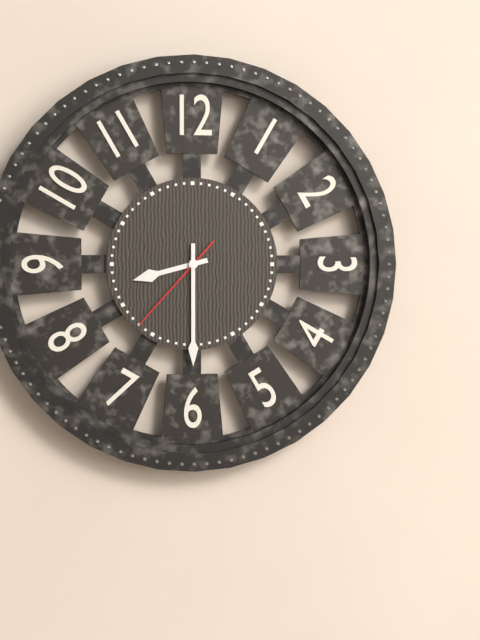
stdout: 8 h 30 min 37 s
